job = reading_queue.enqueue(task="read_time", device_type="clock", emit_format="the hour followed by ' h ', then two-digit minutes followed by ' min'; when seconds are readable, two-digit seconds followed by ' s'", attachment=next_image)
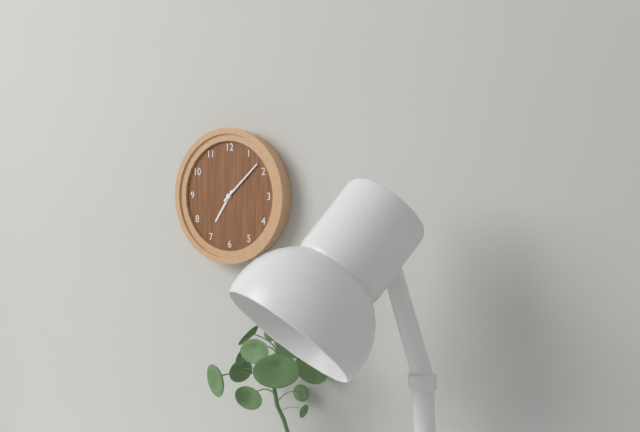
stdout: 7 h 08 min
